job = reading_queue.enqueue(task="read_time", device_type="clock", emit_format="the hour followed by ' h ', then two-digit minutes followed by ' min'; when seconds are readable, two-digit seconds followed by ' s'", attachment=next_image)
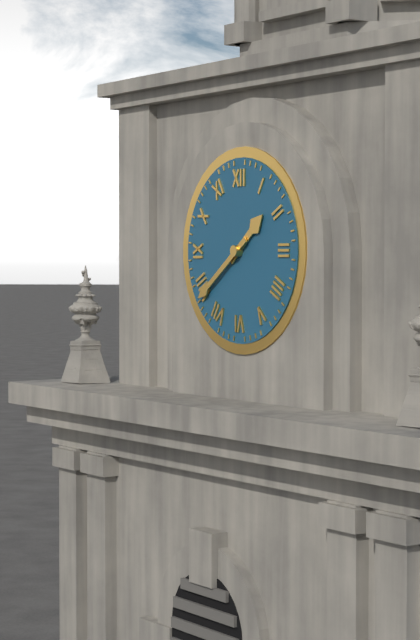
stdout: 1 h 39 min
